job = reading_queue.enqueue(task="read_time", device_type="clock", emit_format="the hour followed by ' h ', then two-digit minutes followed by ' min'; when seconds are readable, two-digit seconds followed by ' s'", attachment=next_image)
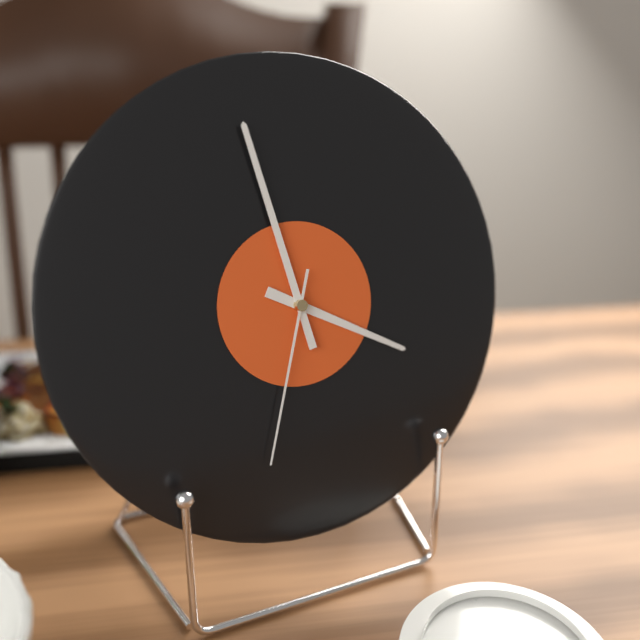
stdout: 3 h 58 min 33 s
